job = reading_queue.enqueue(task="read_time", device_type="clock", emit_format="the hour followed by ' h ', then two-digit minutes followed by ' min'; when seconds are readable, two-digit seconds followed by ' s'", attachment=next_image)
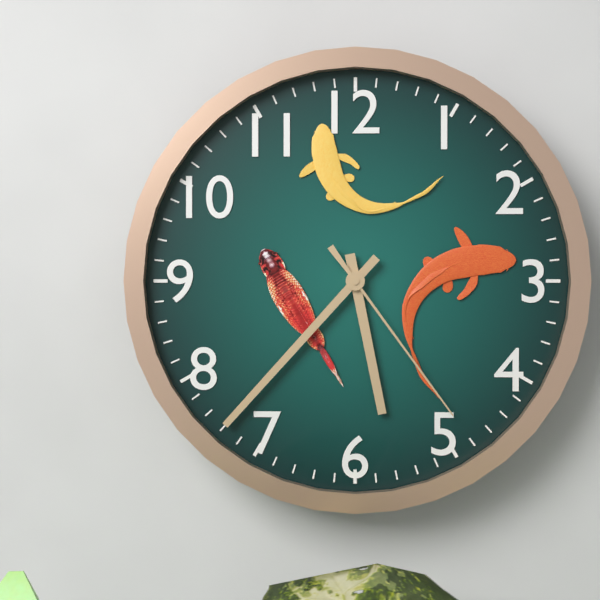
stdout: 5 h 37 min 24 s
